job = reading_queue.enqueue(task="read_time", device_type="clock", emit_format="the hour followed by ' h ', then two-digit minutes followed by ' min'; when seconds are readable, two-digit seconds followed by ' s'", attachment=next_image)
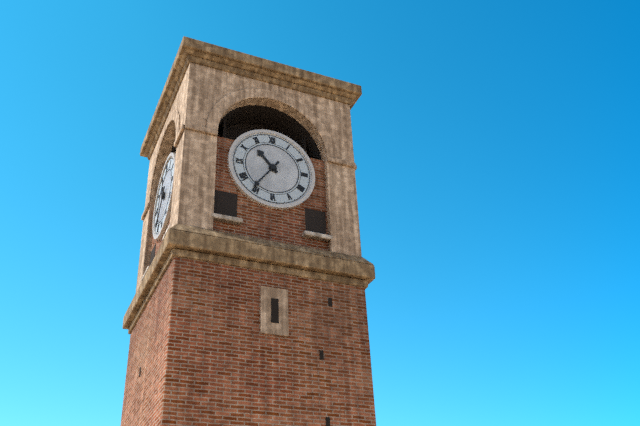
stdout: 10 h 36 min
